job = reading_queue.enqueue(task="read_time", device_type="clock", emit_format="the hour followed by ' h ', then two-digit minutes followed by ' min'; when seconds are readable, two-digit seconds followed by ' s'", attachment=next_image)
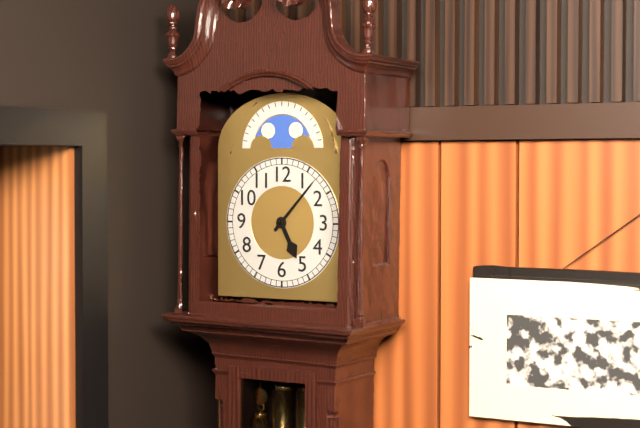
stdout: 5 h 07 min
